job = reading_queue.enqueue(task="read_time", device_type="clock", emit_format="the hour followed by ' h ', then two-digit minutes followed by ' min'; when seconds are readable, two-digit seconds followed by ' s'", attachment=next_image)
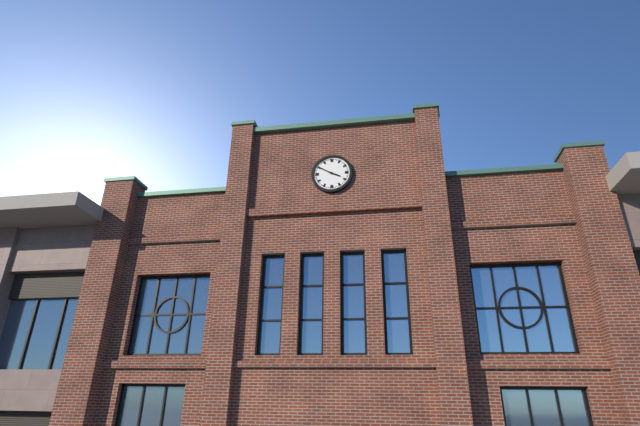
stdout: 3 h 50 min
